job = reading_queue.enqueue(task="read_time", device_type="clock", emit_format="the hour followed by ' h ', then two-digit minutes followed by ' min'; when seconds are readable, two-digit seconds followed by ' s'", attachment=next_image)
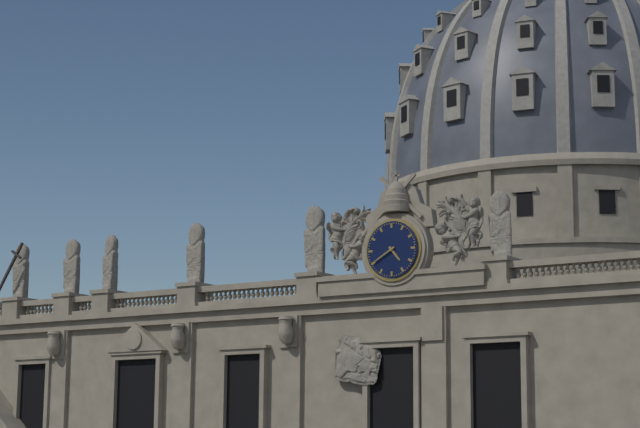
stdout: 4 h 40 min
